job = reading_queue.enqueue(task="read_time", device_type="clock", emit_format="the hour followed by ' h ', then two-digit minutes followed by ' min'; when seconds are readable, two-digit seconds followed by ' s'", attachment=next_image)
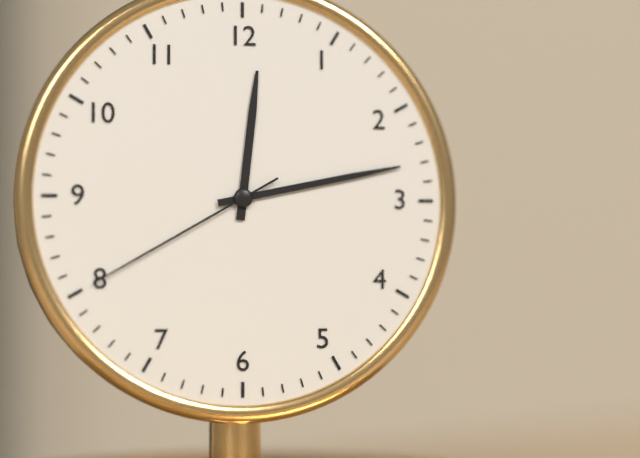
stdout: 12 h 13 min 40 s
